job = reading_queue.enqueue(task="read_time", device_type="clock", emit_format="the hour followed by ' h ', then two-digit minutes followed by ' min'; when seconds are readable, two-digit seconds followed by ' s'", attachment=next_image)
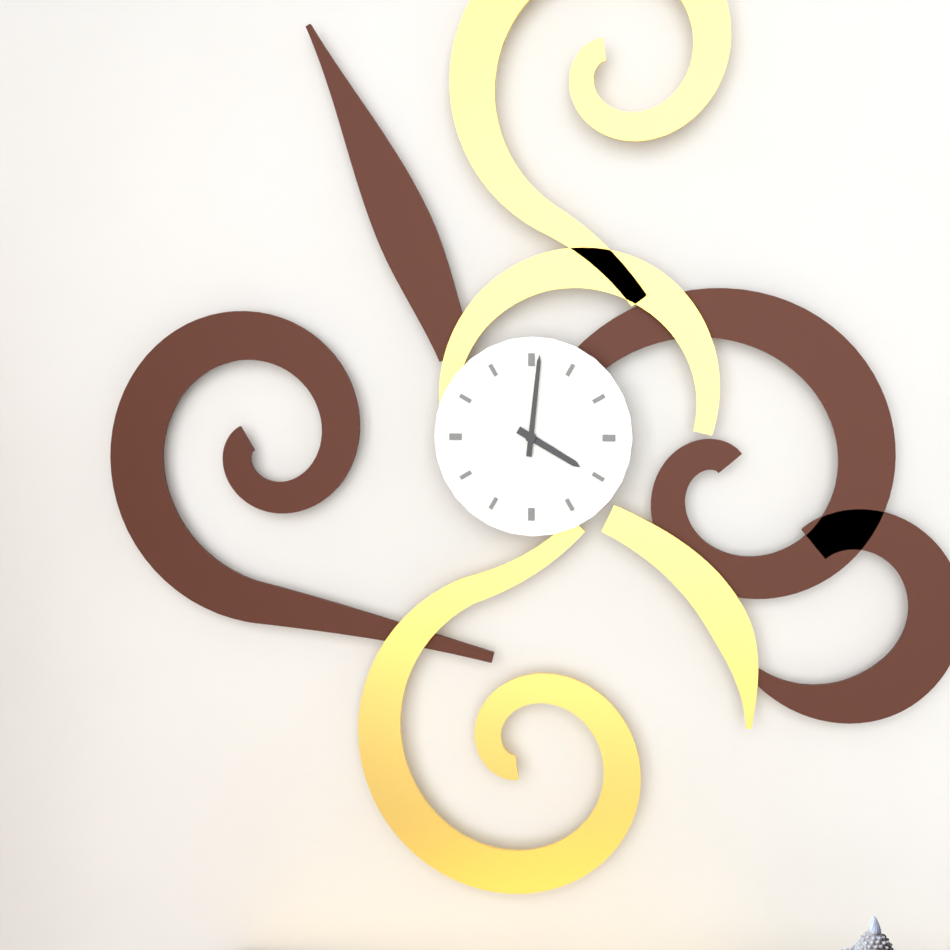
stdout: 4 h 01 min
